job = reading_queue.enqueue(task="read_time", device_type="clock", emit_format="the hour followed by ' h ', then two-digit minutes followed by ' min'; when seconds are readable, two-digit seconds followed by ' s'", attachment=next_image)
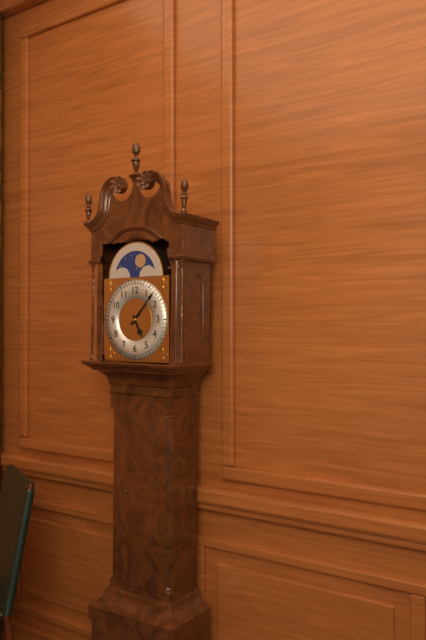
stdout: 5 h 07 min
